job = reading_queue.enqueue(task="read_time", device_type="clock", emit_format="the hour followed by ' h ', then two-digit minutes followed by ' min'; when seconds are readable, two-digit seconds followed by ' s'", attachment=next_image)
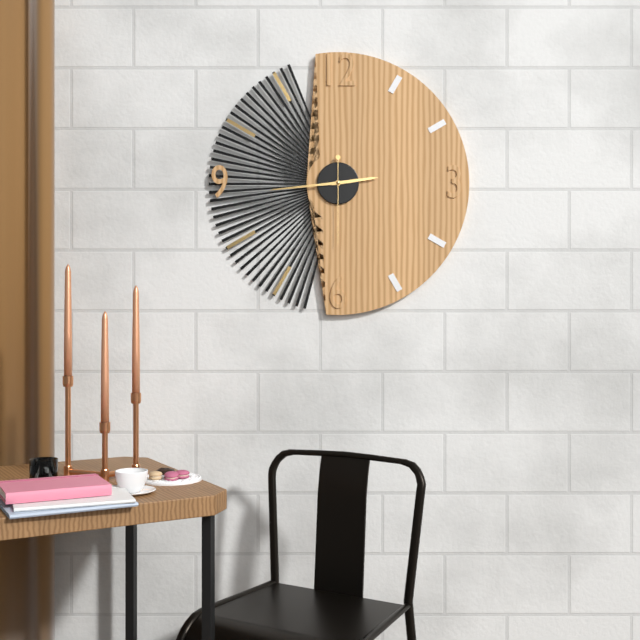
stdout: 2 h 44 min 30 s
